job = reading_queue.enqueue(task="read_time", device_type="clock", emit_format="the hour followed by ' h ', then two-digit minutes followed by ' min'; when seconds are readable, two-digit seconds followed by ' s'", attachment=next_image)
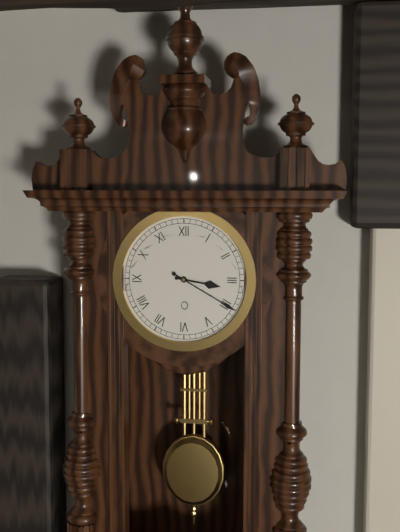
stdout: 3 h 20 min
